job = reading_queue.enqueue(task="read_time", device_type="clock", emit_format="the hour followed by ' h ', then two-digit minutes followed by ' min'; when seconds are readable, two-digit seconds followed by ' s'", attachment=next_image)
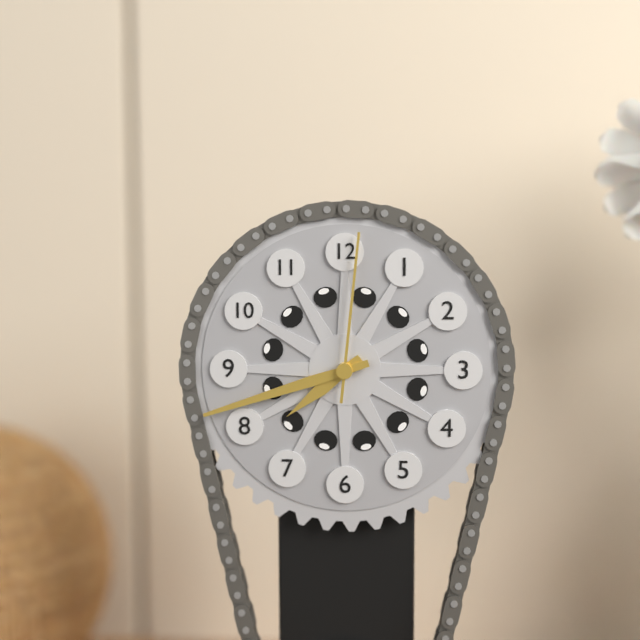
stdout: 7 h 42 min 01 s
